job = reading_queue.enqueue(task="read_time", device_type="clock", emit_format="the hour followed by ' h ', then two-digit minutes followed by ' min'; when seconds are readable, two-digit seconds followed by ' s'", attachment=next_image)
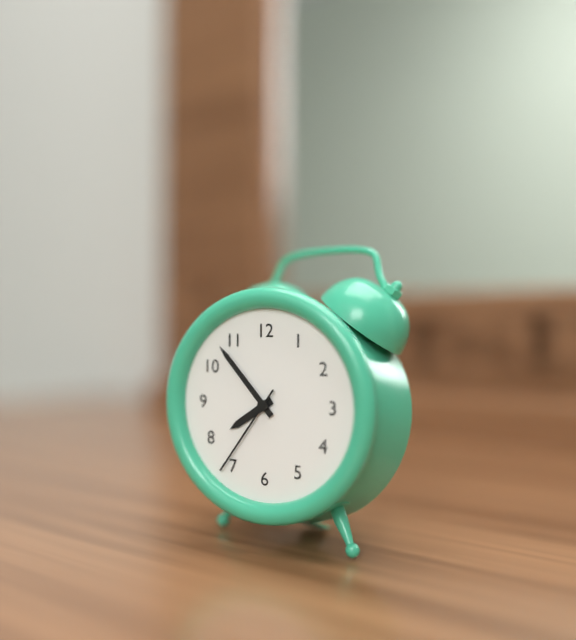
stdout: 7 h 53 min 36 s
